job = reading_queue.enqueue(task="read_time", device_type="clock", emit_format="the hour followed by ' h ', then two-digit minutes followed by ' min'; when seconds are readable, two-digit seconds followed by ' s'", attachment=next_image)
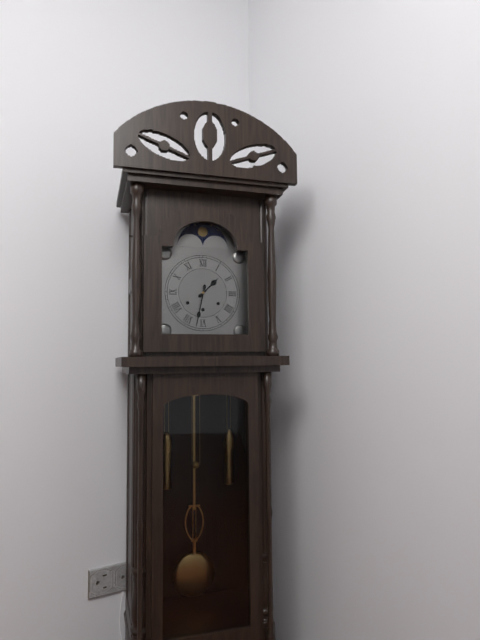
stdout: 1 h 32 min
